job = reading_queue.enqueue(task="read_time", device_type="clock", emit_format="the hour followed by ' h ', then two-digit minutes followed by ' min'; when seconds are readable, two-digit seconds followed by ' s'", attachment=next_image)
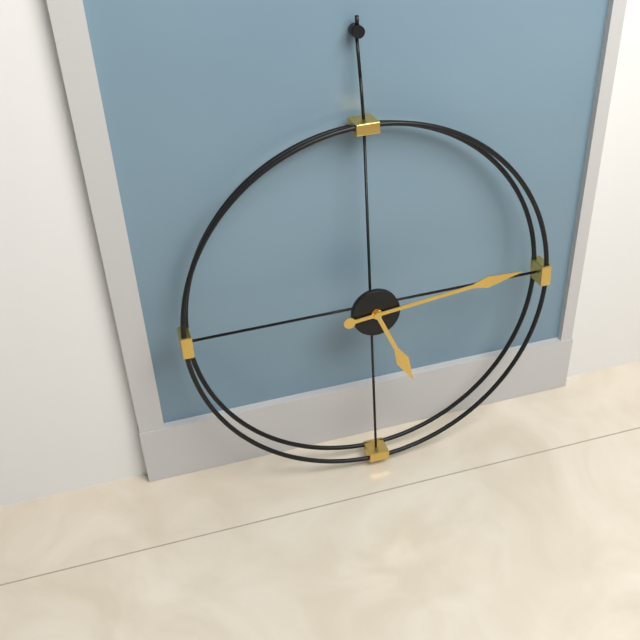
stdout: 5 h 14 min
